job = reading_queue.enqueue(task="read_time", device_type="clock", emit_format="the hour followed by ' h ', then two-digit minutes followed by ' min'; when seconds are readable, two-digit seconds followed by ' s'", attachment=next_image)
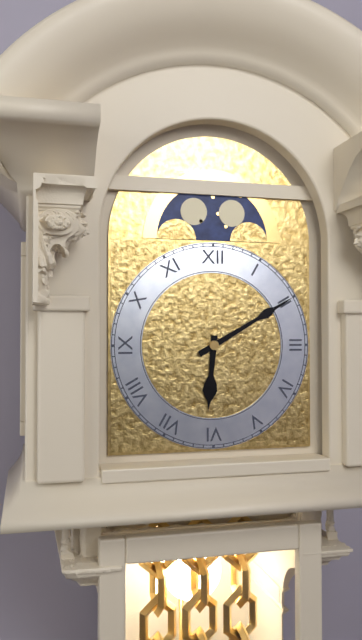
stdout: 6 h 10 min
